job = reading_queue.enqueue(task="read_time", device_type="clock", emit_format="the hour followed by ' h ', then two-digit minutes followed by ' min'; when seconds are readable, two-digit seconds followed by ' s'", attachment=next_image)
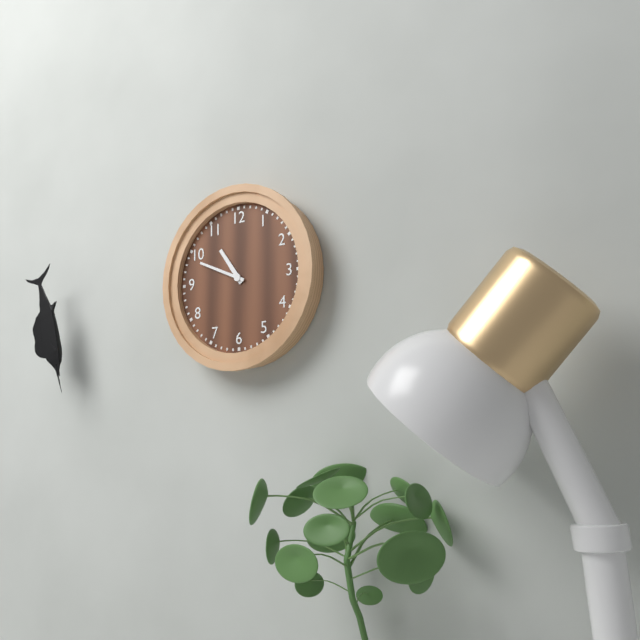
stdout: 10 h 49 min
